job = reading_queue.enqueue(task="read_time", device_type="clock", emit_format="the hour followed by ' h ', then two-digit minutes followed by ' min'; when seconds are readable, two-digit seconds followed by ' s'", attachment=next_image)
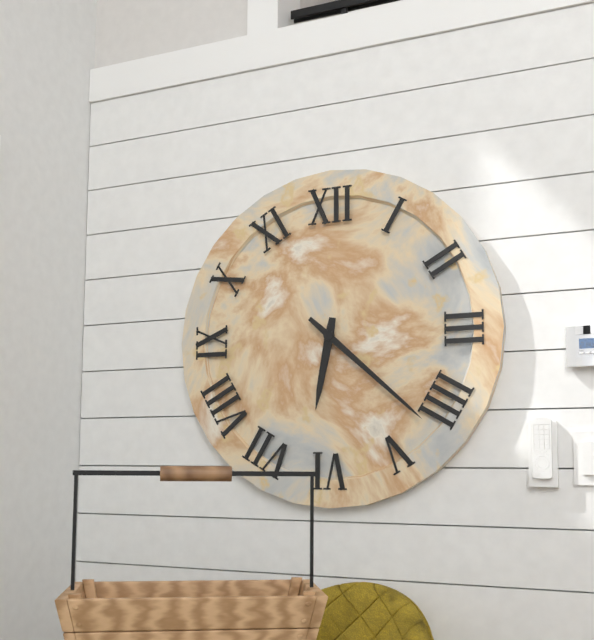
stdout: 6 h 22 min
